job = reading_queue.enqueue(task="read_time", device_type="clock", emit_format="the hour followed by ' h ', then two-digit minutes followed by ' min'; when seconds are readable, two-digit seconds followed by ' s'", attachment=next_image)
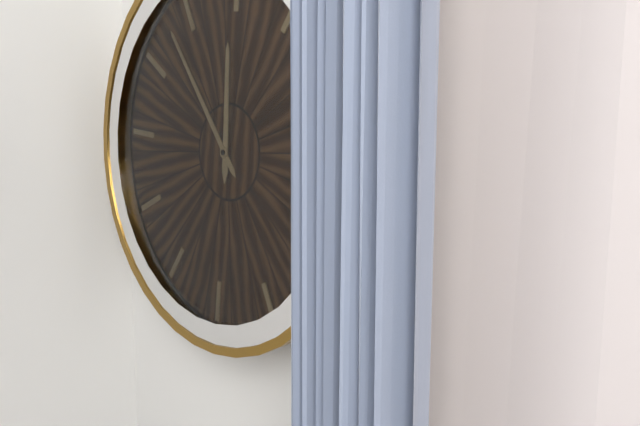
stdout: 11 h 53 min
